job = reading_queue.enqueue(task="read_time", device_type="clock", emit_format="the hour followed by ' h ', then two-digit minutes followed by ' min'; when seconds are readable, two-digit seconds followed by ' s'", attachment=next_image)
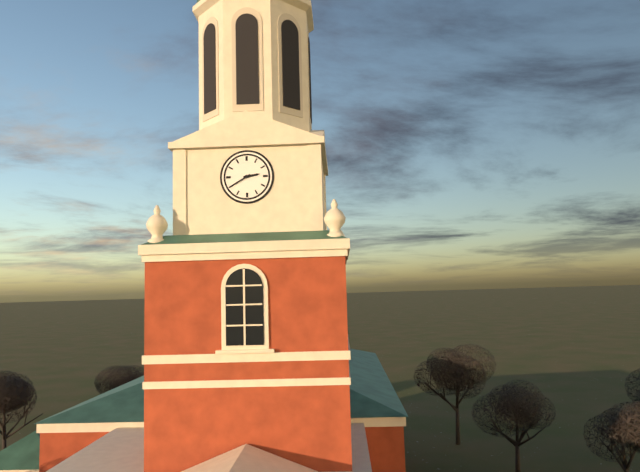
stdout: 2 h 40 min
